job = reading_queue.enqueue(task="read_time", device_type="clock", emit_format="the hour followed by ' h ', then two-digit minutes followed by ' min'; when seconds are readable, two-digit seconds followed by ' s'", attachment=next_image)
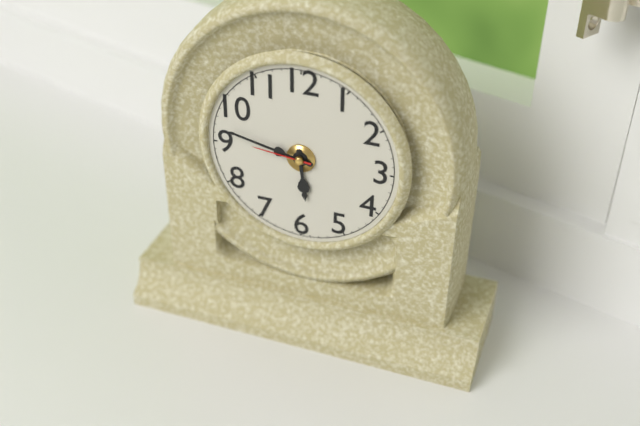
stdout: 5 h 47 min 46 s
